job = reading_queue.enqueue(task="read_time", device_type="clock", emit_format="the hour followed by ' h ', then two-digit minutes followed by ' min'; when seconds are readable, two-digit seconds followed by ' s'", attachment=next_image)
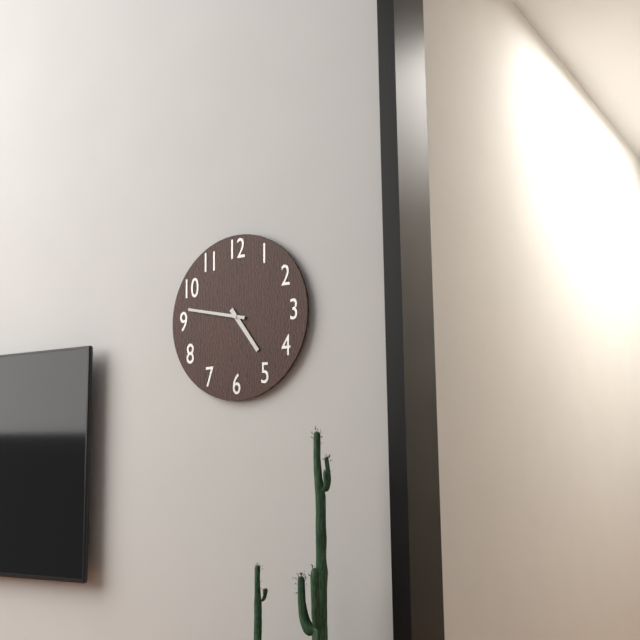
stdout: 4 h 47 min
